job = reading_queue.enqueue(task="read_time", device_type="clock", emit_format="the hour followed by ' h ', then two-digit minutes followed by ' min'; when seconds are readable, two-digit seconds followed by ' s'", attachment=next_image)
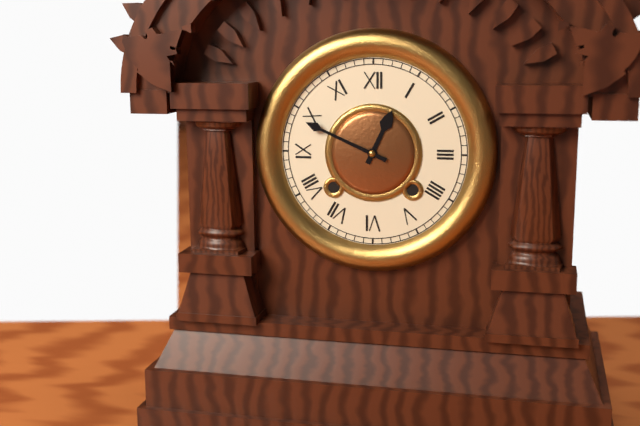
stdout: 12 h 49 min
